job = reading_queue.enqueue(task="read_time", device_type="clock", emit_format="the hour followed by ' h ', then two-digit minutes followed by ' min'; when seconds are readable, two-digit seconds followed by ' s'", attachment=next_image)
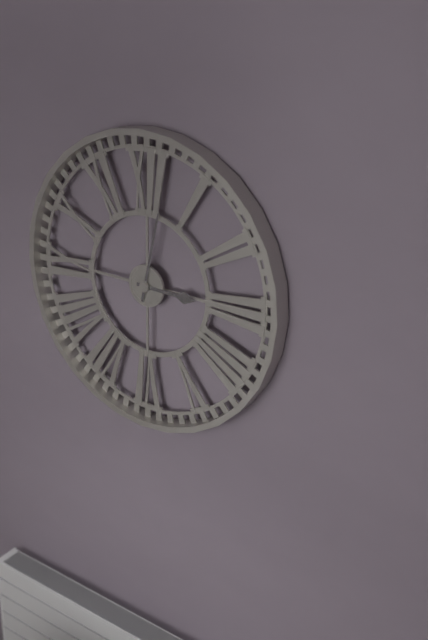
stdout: 3 h 02 min
